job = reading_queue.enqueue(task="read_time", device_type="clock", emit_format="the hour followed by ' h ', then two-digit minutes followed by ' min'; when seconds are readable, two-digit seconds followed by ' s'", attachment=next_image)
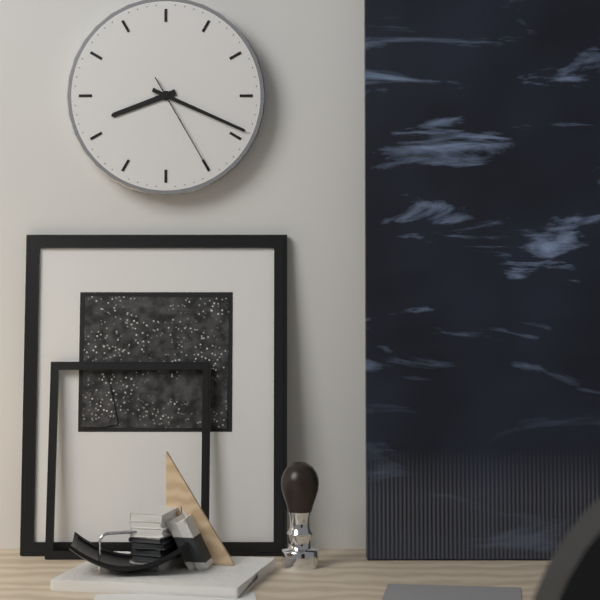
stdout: 8 h 19 min 25 s
